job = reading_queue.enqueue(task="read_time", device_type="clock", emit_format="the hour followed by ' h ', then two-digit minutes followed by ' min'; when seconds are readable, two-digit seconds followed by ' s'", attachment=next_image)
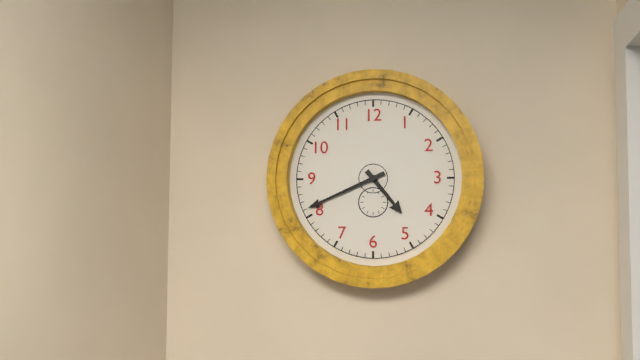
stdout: 4 h 41 min
